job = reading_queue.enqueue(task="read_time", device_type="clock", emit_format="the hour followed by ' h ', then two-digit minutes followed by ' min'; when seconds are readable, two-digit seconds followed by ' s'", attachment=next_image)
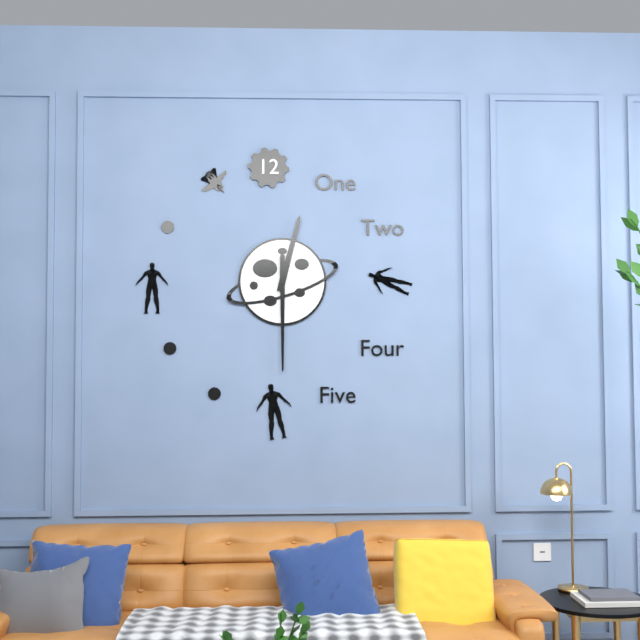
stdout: 12 h 30 min
